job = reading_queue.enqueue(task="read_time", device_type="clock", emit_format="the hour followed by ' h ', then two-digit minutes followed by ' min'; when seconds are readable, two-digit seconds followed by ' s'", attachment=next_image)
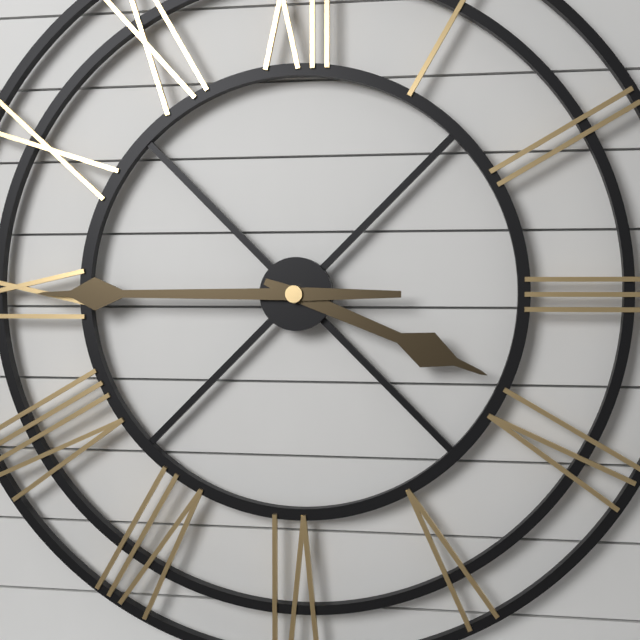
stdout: 3 h 45 min
